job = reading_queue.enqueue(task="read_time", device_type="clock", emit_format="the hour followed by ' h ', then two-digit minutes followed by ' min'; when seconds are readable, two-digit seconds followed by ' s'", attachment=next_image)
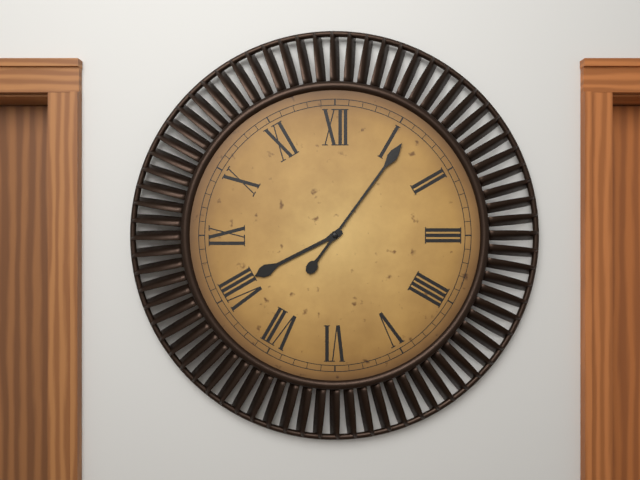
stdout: 8 h 06 min
